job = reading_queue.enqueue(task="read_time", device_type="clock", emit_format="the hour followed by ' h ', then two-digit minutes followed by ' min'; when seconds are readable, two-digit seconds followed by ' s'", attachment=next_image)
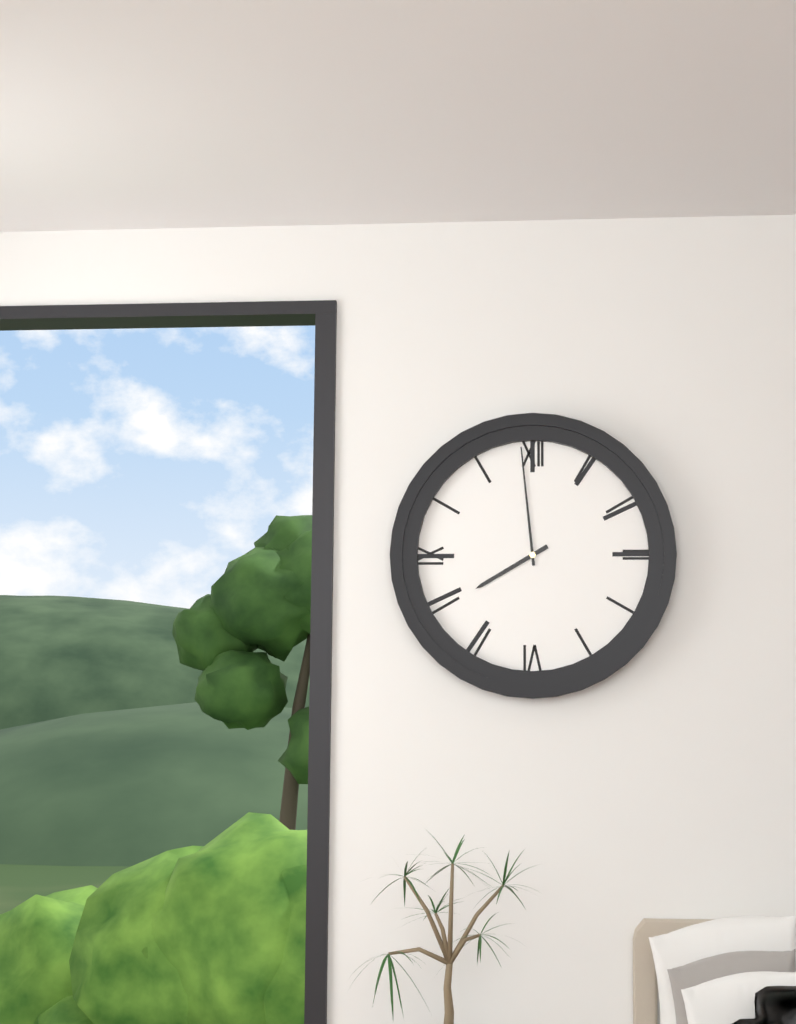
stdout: 7 h 59 min
